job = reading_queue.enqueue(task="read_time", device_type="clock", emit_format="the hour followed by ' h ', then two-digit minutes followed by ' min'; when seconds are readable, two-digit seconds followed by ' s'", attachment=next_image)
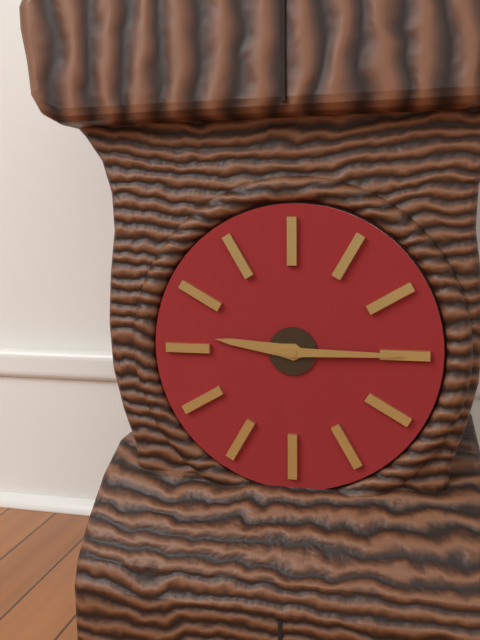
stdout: 9 h 15 min
